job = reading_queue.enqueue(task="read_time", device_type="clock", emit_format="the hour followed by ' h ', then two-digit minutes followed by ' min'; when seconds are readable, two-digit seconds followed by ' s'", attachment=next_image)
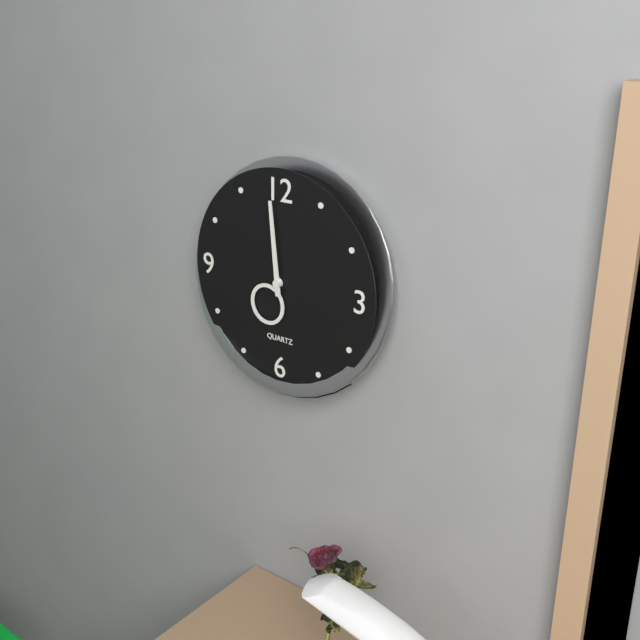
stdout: 6 h 59 min
